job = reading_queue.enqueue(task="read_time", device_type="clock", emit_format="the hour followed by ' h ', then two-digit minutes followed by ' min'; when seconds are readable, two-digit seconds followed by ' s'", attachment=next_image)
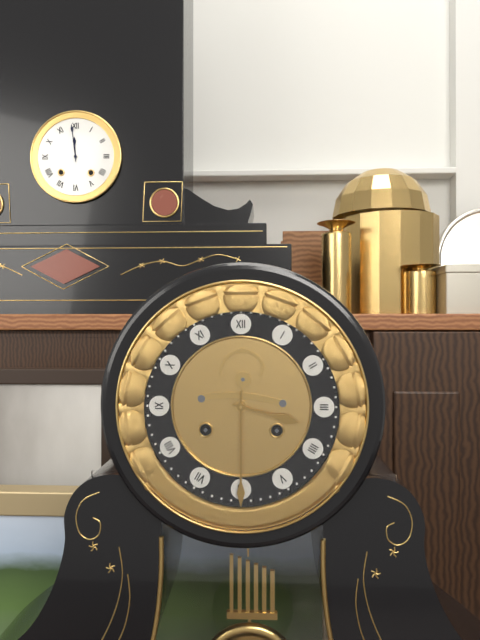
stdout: 3 h 30 min
